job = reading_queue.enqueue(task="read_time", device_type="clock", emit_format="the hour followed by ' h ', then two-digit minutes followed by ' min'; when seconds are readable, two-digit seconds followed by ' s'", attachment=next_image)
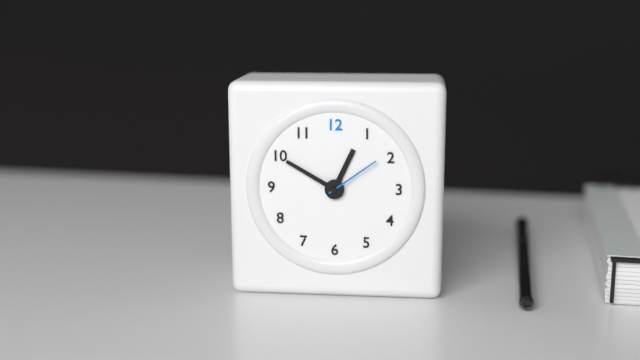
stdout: 12 h 50 min 09 s
